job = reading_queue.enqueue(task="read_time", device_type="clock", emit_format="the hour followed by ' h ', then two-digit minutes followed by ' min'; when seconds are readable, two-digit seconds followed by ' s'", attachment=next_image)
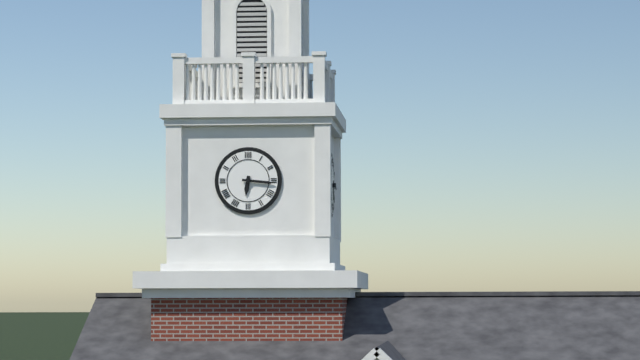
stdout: 6 h 16 min
